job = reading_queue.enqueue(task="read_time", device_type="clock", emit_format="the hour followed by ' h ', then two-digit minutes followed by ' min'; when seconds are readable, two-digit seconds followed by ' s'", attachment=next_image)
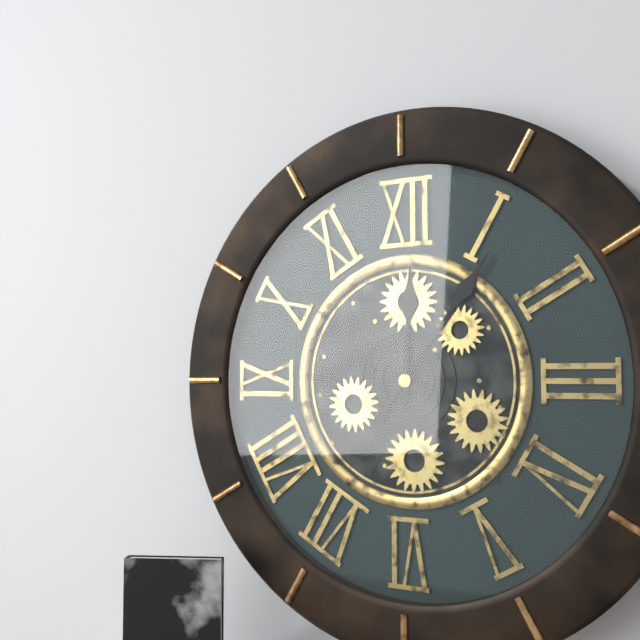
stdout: 12 h 06 min
